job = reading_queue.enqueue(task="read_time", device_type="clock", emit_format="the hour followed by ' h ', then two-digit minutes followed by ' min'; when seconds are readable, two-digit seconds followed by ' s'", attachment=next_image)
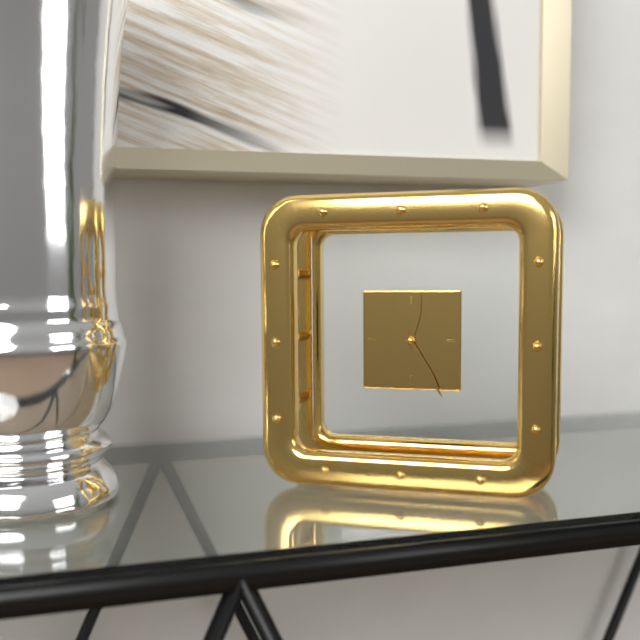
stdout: 12 h 25 min
